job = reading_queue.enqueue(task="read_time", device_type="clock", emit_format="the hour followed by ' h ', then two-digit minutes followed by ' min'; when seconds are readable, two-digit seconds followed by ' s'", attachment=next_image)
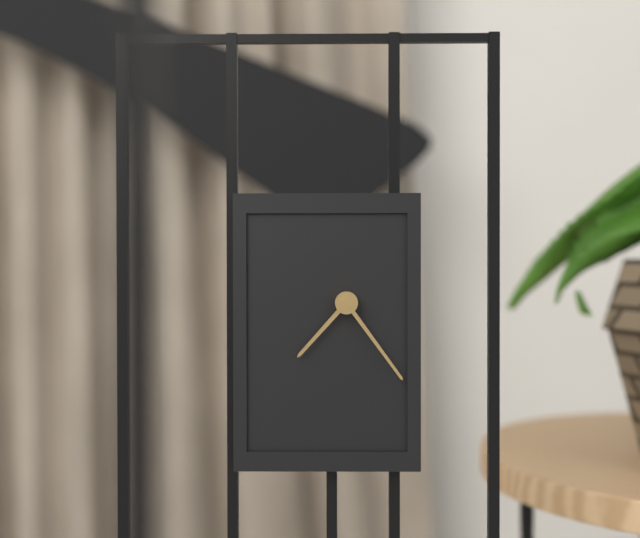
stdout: 7 h 24 min
